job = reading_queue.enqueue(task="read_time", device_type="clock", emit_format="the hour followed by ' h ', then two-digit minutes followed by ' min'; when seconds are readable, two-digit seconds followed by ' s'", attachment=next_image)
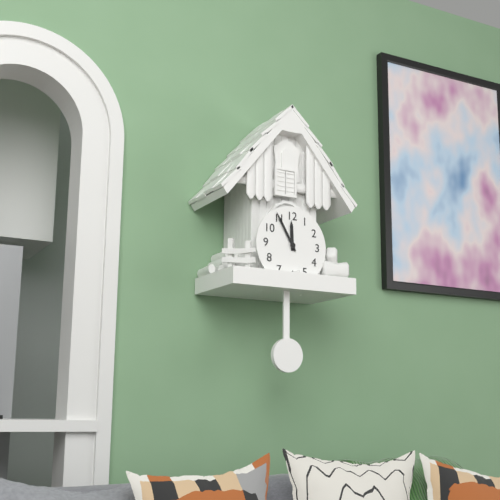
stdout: 11 h 55 min
